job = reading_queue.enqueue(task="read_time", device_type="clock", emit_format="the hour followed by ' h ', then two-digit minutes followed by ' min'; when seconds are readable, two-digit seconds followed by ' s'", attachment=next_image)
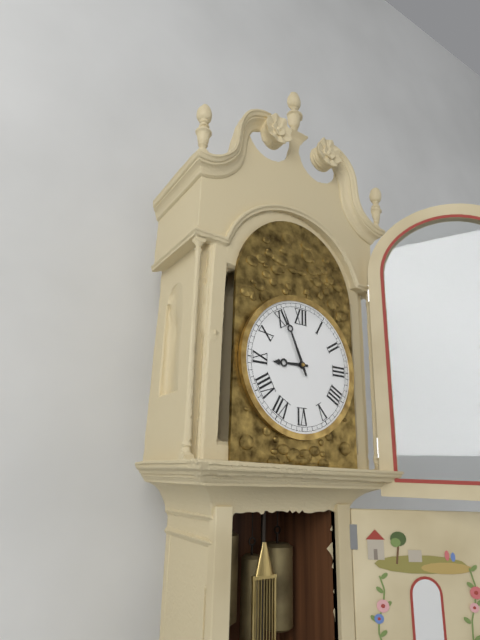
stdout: 8 h 56 min
